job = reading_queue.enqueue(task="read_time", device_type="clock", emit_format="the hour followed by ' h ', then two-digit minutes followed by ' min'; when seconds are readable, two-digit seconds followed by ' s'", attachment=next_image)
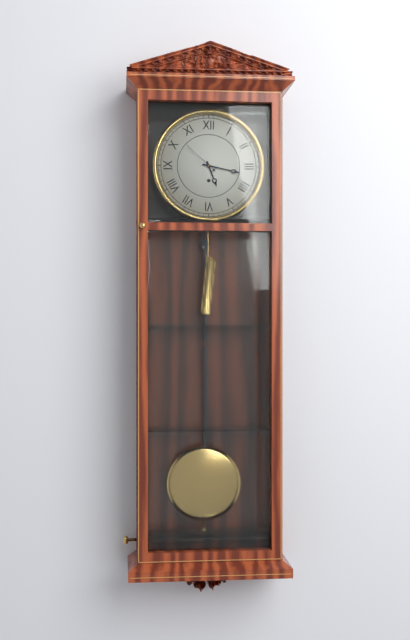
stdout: 5 h 17 min
